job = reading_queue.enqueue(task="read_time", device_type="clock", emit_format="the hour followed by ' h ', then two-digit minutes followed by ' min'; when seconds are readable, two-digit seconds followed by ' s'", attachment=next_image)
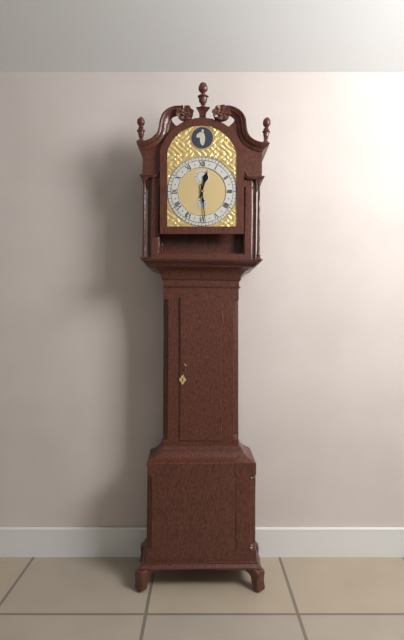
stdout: 12 h 29 min
